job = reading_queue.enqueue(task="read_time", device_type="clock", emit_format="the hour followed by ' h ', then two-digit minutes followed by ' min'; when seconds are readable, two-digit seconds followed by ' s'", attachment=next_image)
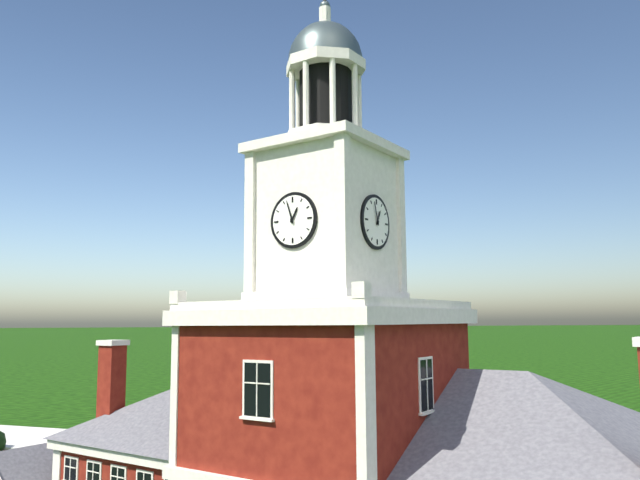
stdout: 12 h 57 min
